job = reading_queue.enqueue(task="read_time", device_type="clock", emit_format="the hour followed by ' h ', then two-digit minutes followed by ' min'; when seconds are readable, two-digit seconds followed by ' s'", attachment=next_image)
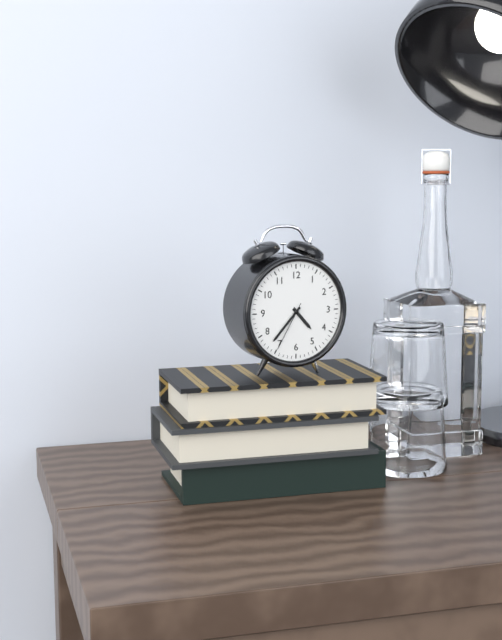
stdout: 4 h 37 min 35 s
